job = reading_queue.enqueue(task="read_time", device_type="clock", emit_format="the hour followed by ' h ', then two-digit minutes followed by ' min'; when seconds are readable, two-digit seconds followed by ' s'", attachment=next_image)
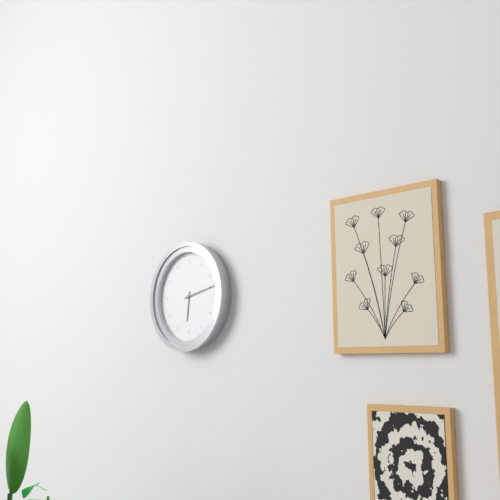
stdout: 6 h 13 min
